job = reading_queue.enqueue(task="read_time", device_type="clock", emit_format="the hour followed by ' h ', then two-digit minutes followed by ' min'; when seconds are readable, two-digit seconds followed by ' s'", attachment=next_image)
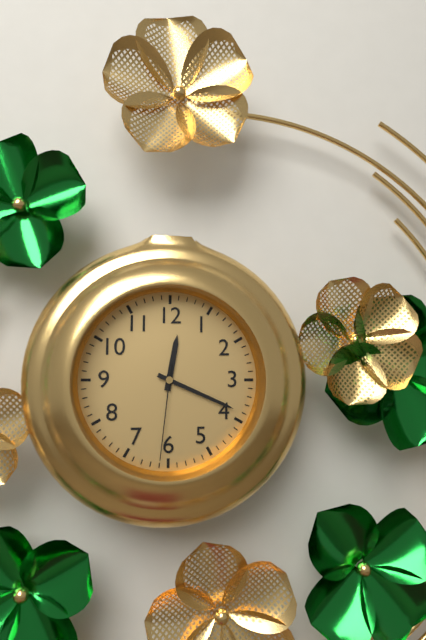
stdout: 12 h 19 min 31 s
